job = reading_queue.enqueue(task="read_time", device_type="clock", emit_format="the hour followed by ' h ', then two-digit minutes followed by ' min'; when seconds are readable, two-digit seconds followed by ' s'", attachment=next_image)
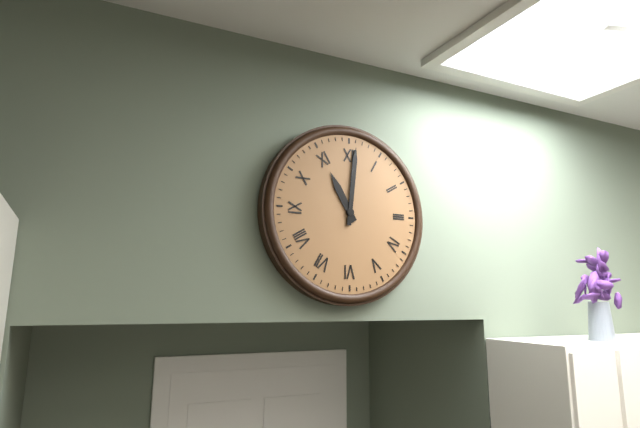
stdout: 11 h 01 min
